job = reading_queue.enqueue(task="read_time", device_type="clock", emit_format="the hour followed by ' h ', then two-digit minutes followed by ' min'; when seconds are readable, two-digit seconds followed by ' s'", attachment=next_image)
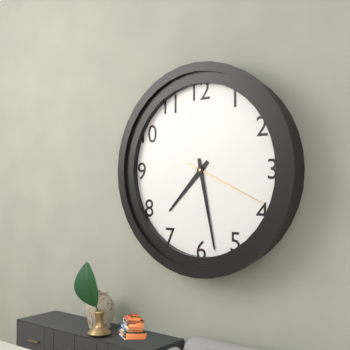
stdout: 7 h 28 min 19 s
